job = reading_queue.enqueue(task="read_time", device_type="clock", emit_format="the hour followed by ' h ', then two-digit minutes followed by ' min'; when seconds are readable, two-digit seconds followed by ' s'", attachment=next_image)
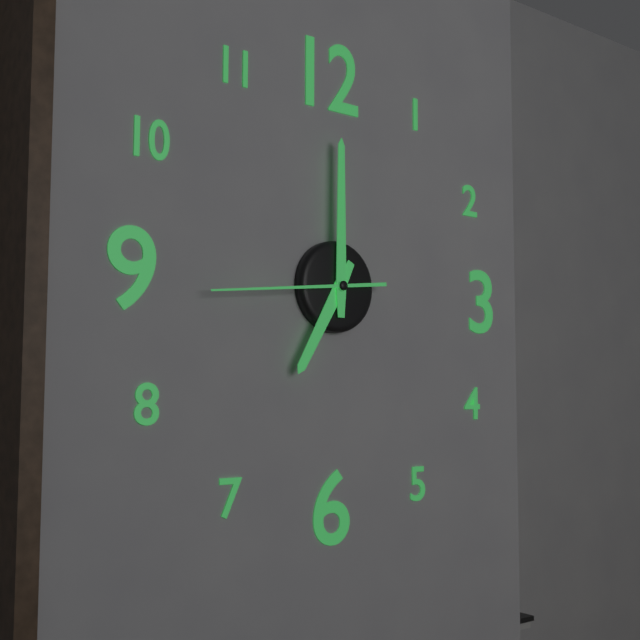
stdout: 7 h 00 min 44 s
